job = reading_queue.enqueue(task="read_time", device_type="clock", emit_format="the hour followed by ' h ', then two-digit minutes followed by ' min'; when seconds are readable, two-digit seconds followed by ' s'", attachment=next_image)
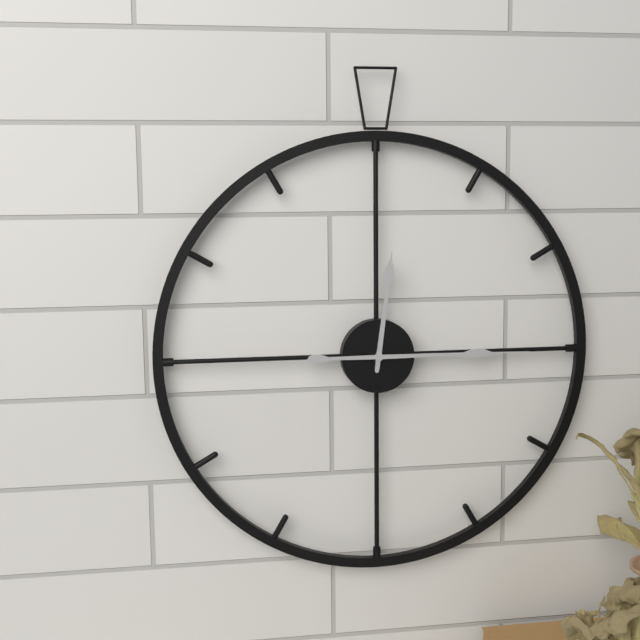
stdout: 12 h 15 min
